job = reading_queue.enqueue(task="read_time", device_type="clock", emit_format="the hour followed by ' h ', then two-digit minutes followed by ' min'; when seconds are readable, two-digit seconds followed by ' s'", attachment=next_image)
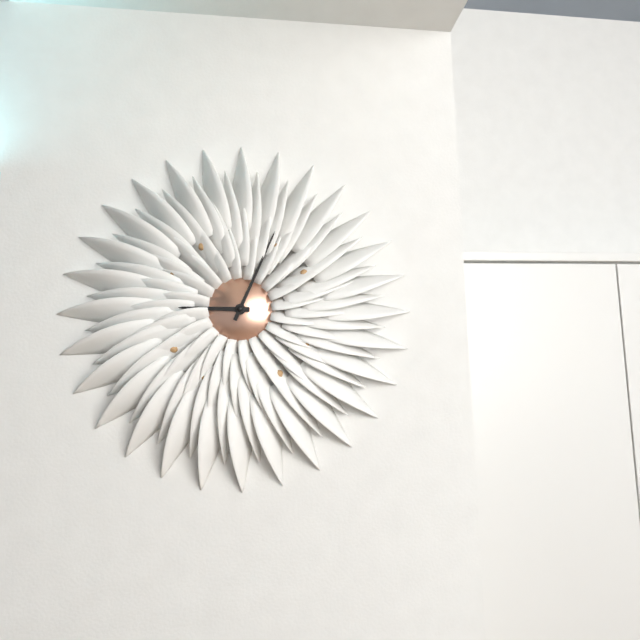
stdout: 9 h 04 min
